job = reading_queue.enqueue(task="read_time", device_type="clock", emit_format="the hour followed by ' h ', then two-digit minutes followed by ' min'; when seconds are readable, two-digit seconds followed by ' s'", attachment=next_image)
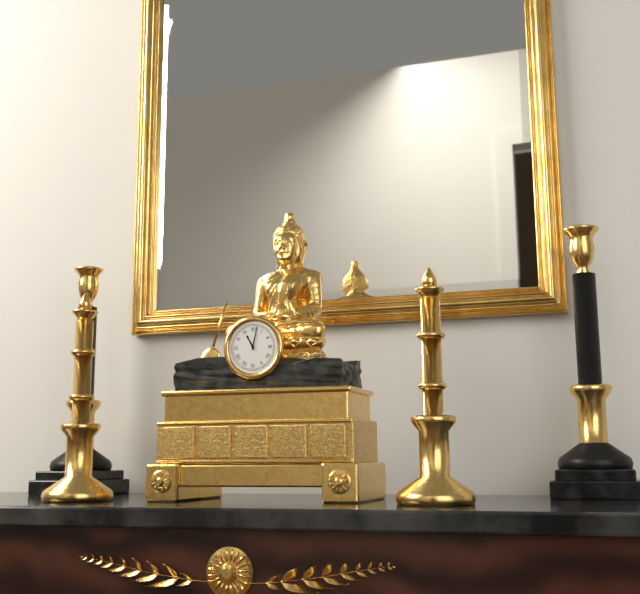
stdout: 11 h 02 min
